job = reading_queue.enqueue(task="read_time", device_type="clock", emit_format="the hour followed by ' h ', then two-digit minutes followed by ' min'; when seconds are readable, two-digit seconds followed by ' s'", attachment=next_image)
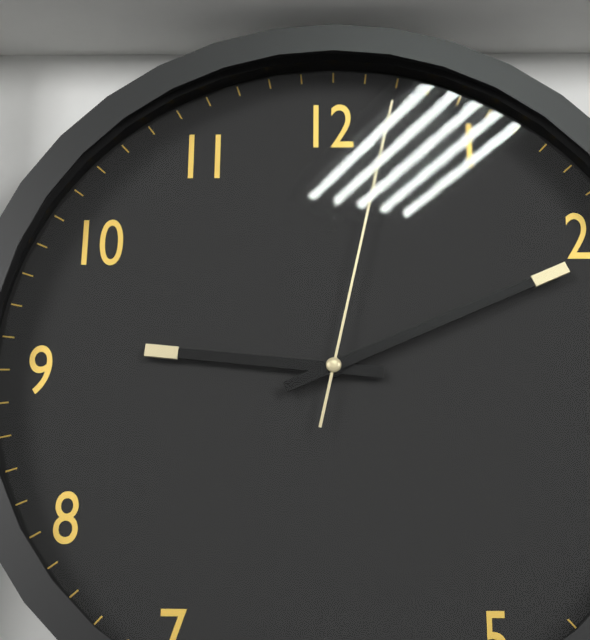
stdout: 9 h 11 min 02 s
